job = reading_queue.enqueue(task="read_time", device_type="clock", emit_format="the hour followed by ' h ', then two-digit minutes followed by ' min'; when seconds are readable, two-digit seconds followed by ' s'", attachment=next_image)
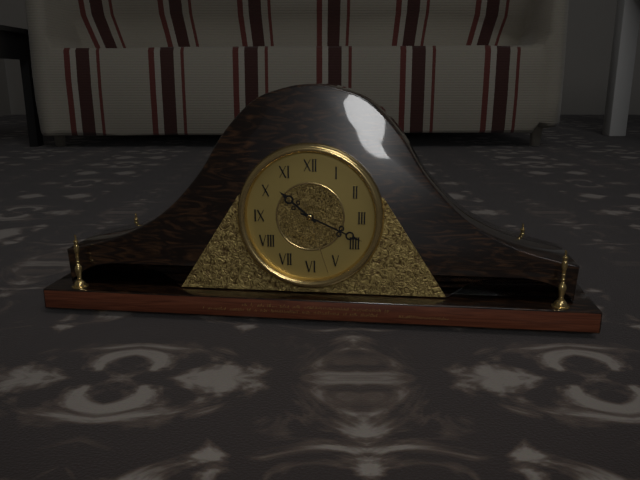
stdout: 10 h 19 min 27 s
